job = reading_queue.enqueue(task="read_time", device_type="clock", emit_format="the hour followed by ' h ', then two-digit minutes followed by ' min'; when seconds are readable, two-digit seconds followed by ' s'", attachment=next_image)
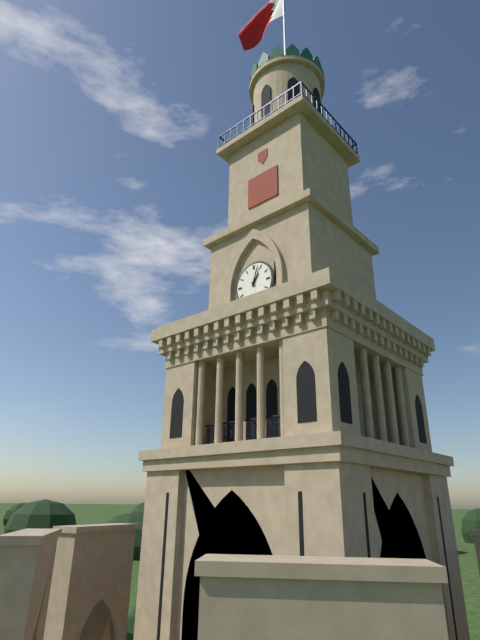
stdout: 1 h 03 min
